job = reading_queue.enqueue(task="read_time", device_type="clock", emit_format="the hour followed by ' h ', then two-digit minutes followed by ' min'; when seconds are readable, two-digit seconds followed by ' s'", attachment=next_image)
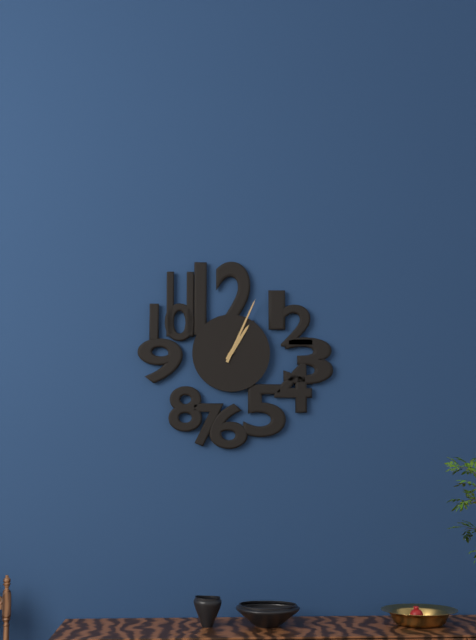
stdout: 1 h 04 min
